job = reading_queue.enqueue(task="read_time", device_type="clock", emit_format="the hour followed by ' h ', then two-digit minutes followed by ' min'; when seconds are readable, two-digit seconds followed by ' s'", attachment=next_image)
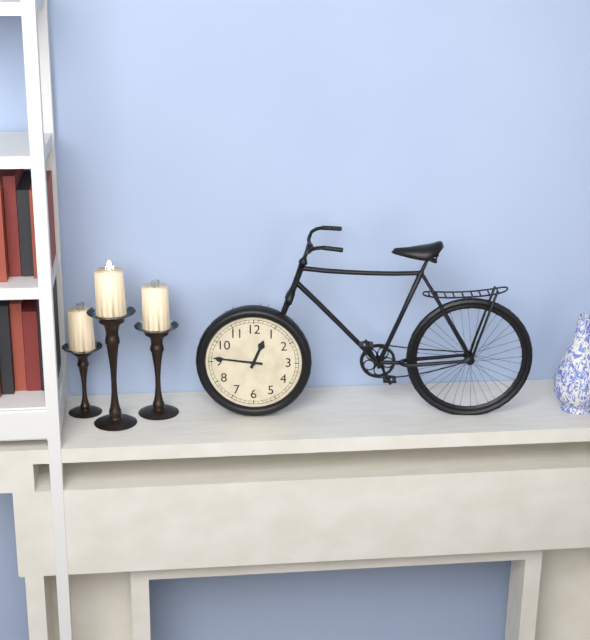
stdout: 12 h 46 min
